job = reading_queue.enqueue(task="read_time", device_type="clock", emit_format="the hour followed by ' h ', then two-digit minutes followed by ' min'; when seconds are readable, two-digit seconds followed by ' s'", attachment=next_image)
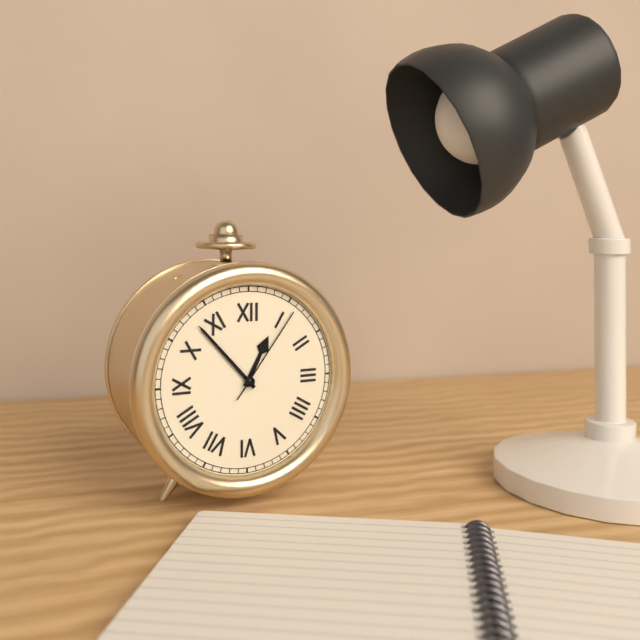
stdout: 12 h 53 min 06 s
